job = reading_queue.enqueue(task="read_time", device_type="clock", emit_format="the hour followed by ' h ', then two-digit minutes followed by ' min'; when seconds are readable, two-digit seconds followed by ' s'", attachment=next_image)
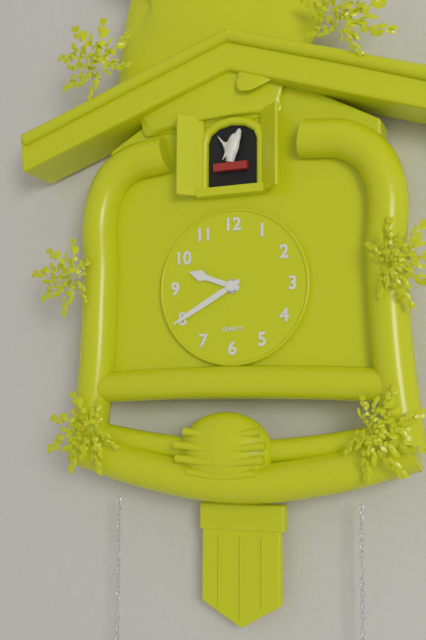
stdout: 9 h 40 min
